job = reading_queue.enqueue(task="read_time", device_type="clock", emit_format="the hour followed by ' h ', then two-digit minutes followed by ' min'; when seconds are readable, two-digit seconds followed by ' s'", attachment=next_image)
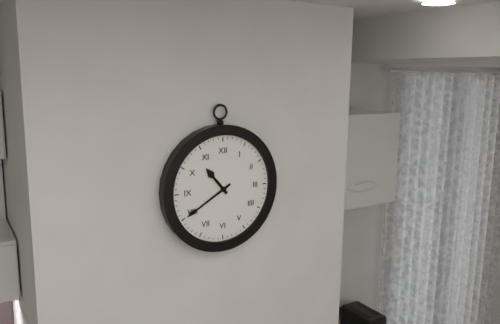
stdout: 10 h 40 min
